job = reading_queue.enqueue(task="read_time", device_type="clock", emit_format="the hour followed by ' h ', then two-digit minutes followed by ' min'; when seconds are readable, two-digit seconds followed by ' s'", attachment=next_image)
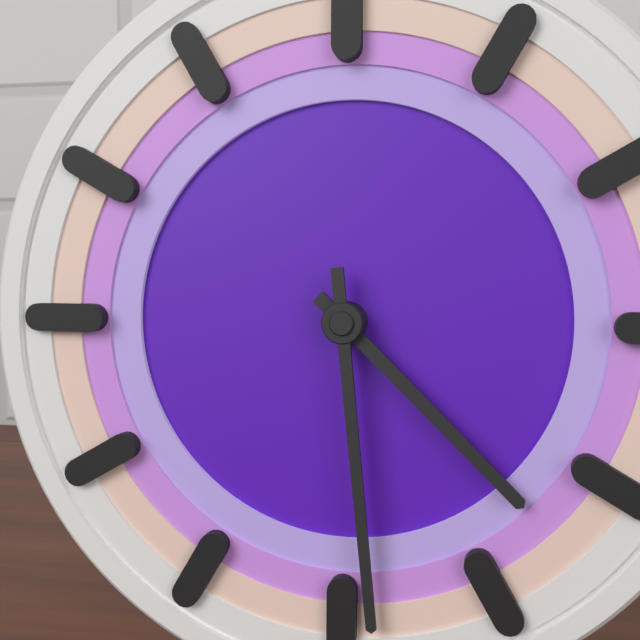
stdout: 4 h 29 min
